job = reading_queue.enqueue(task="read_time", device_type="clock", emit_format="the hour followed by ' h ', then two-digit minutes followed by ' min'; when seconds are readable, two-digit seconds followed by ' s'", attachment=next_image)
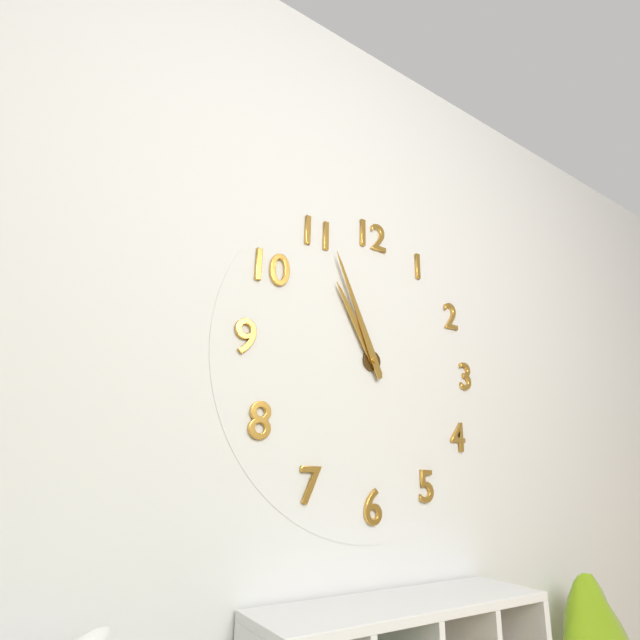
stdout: 10 h 56 min
